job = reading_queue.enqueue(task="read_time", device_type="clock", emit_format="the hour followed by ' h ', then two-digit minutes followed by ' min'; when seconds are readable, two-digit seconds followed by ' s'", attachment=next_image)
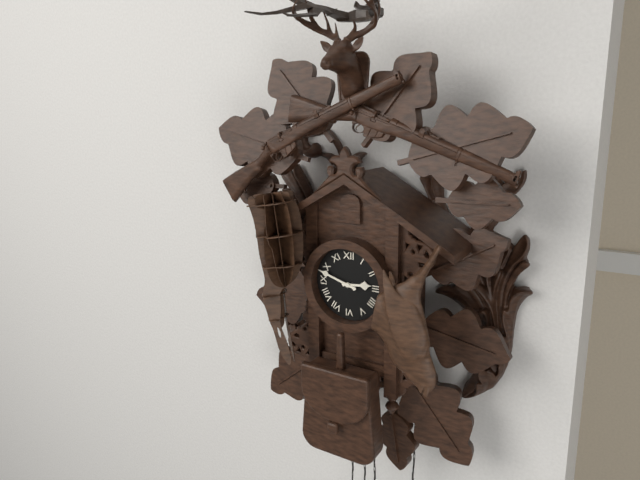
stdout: 2 h 48 min
